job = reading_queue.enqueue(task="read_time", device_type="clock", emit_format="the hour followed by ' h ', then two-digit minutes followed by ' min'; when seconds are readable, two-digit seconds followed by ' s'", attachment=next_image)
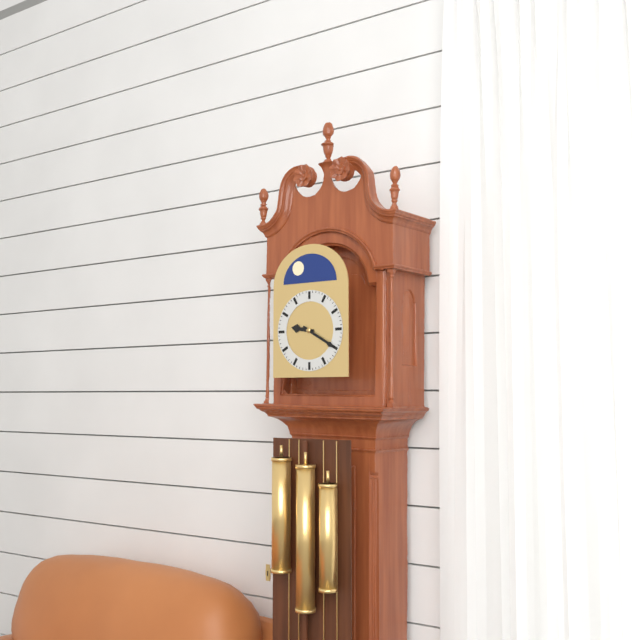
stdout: 9 h 20 min
